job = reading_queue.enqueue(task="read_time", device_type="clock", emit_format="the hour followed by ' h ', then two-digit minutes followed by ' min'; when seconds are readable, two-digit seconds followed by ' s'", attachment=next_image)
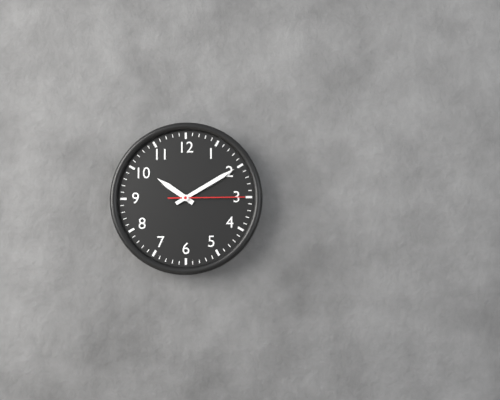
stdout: 10 h 10 min 15 s
